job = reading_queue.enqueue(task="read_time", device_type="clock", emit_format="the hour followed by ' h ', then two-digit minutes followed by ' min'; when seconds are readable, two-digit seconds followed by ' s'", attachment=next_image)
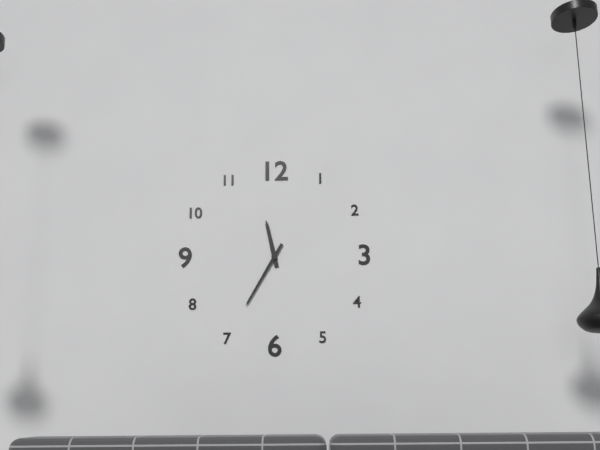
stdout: 11 h 35 min
